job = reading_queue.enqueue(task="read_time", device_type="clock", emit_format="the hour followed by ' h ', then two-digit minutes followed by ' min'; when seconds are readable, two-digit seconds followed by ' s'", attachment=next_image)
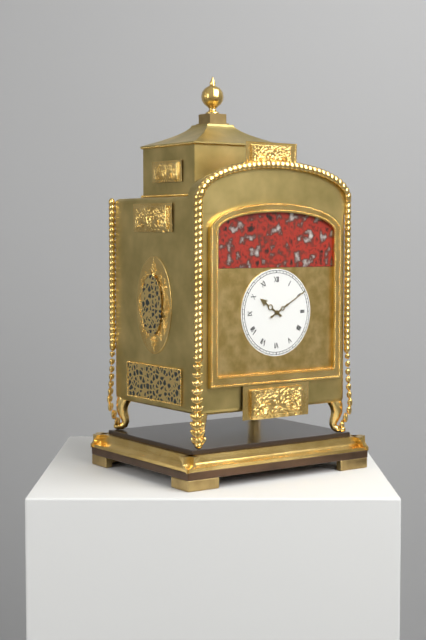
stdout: 10 h 10 min
